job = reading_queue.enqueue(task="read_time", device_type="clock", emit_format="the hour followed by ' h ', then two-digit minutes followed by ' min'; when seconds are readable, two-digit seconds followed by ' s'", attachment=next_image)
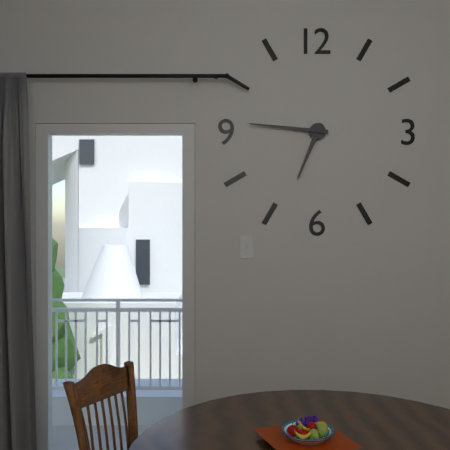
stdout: 6 h 46 min
